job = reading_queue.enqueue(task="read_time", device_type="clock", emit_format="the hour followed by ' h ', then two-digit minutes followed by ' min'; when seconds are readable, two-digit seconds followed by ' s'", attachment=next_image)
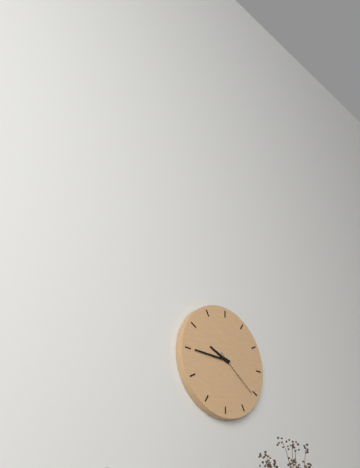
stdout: 9 h 45 min 21 s
